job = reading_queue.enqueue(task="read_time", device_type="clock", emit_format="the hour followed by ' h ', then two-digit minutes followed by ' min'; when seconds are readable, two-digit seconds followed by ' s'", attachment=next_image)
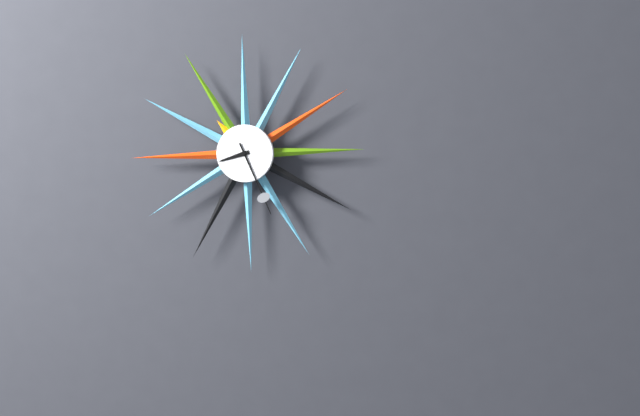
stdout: 8 h 26 min
